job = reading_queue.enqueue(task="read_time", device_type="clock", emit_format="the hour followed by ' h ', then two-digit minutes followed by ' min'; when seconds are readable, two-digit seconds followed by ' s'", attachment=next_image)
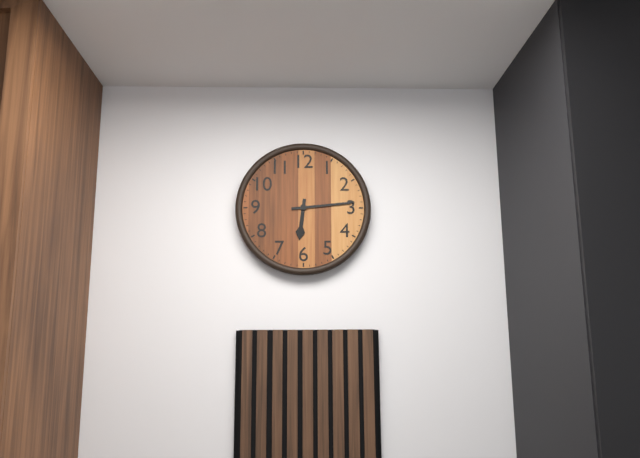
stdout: 6 h 14 min
